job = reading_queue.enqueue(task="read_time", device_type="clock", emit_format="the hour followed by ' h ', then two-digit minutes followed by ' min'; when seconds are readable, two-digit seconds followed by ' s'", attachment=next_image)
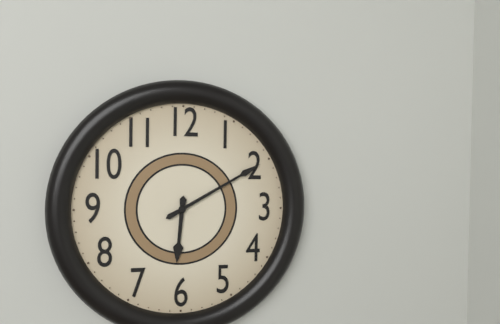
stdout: 6 h 10 min
